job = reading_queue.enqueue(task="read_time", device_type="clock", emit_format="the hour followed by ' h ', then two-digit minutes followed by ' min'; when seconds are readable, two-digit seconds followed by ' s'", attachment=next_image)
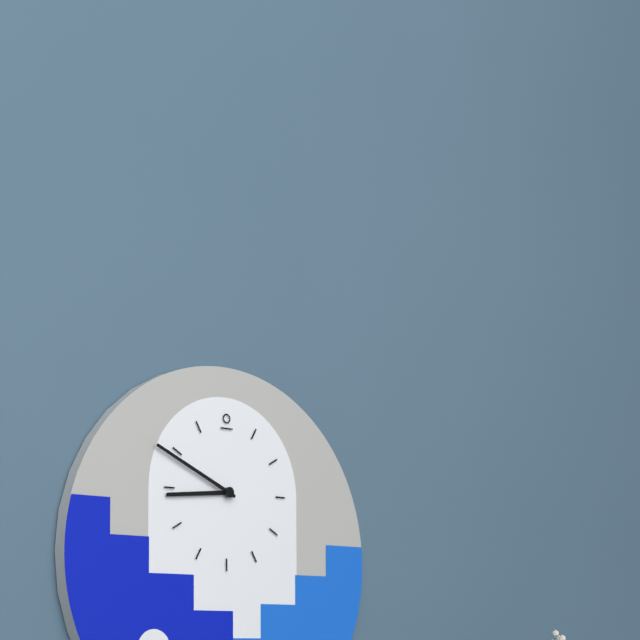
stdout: 8 h 49 min
